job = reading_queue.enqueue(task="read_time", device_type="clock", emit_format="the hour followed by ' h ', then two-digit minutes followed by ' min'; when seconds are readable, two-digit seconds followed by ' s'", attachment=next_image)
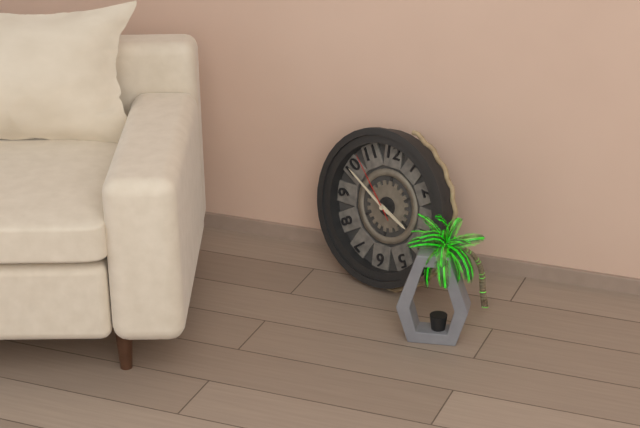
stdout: 3 h 50 min 53 s
